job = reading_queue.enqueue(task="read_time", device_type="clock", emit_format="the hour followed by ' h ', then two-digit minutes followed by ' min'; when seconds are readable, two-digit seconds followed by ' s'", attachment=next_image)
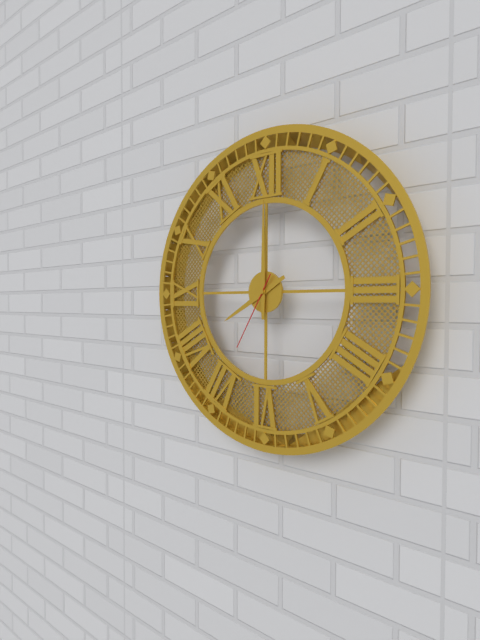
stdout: 8 h 00 min 35 s
